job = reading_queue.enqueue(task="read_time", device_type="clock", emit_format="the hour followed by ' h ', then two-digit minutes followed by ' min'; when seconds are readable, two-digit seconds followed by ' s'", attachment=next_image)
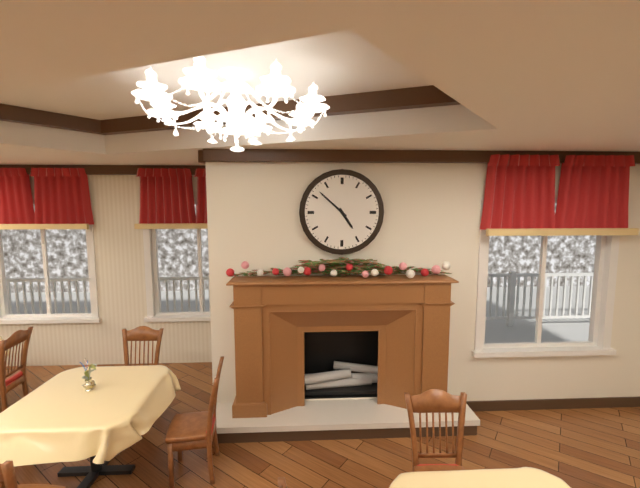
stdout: 4 h 52 min
